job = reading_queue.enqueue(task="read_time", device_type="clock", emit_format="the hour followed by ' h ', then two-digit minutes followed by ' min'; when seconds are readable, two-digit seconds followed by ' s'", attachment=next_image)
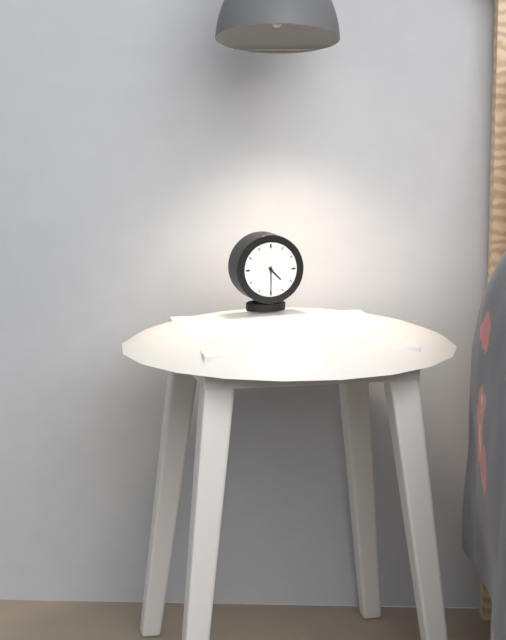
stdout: 4 h 30 min
